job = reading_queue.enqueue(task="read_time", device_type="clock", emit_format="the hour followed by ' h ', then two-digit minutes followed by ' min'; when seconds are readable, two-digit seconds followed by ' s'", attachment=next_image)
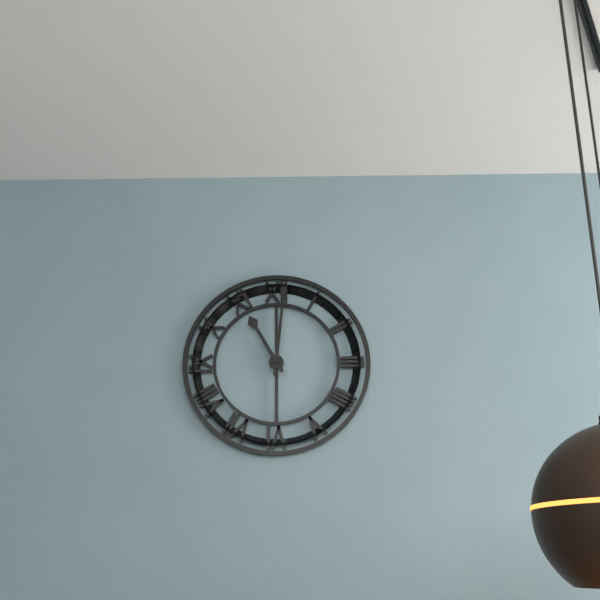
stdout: 11 h 01 min
